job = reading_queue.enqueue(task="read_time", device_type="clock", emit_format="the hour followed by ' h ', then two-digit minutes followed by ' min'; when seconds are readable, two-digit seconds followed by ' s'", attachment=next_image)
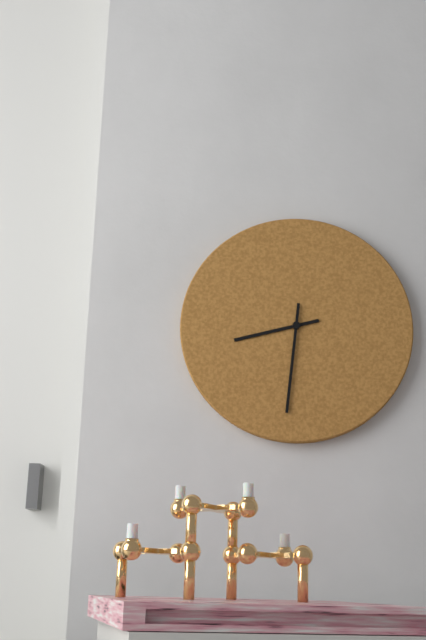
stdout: 8 h 31 min
